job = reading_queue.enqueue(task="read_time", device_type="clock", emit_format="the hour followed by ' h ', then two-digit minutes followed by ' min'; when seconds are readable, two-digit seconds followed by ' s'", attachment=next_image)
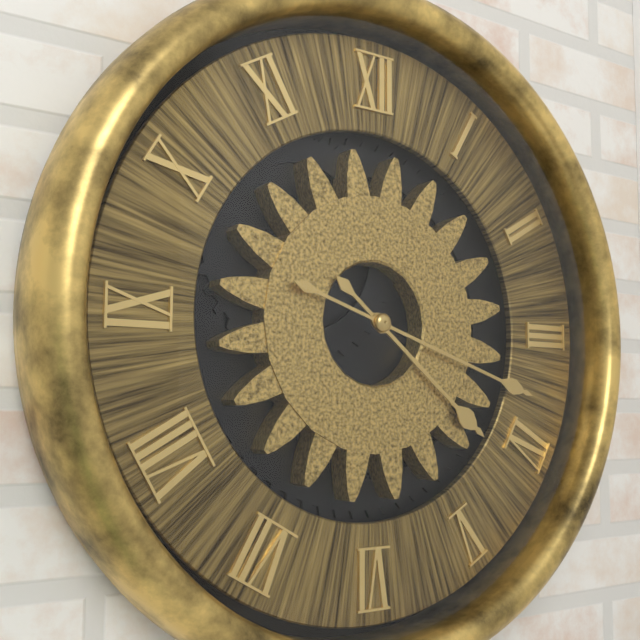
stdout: 4 h 18 min
